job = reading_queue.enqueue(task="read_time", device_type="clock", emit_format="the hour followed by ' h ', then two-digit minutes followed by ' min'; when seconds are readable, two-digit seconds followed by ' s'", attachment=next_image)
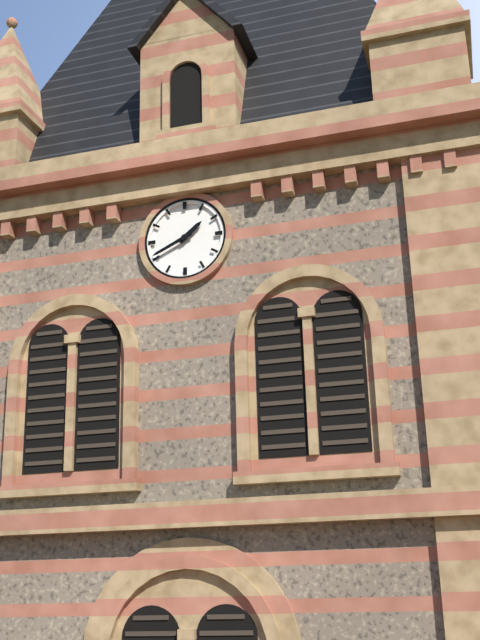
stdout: 1 h 41 min
